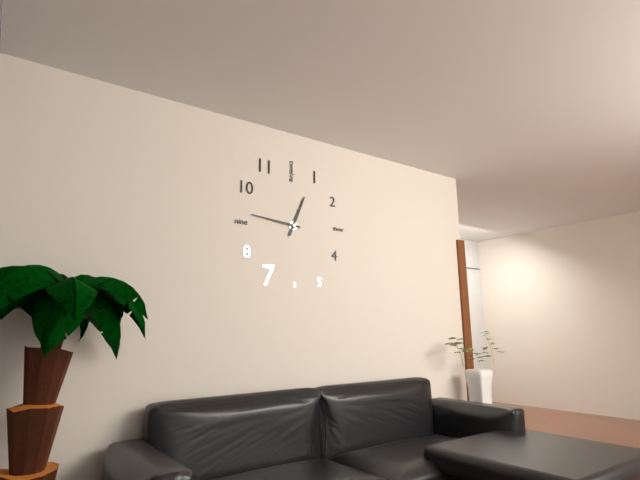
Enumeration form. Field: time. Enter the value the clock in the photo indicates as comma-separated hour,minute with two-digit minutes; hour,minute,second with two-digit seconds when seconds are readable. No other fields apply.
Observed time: 12,46
